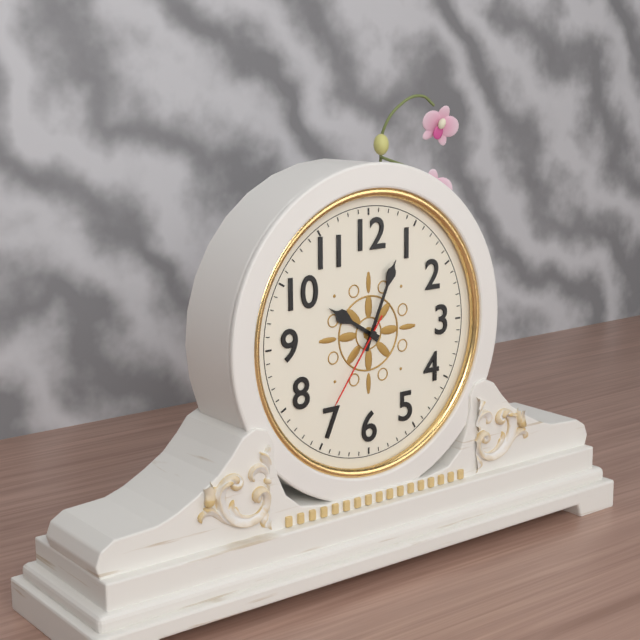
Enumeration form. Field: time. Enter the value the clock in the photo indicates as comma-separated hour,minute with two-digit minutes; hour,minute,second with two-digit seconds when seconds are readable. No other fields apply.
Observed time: 10,04,36
